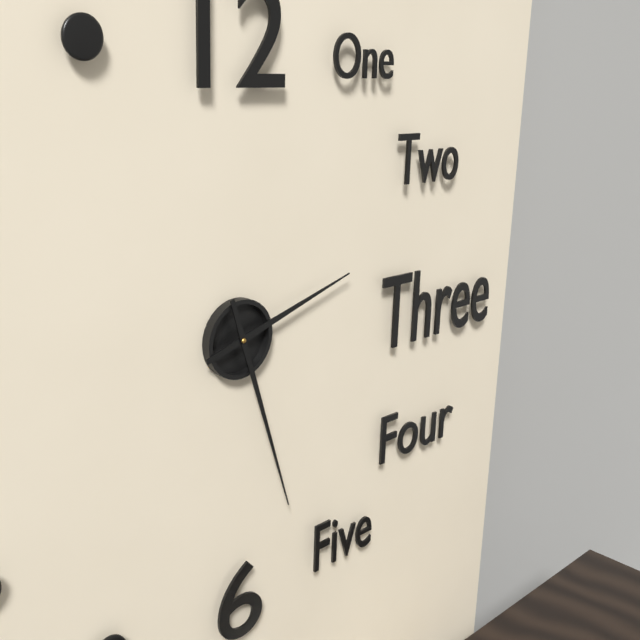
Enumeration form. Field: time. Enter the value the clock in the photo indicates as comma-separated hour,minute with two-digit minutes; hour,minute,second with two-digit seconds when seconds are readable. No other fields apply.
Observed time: 2,27
